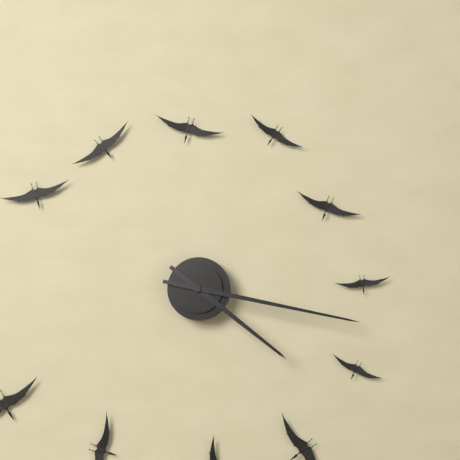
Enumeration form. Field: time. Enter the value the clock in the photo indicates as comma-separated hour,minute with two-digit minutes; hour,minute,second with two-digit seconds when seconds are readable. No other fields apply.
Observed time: 4,17
